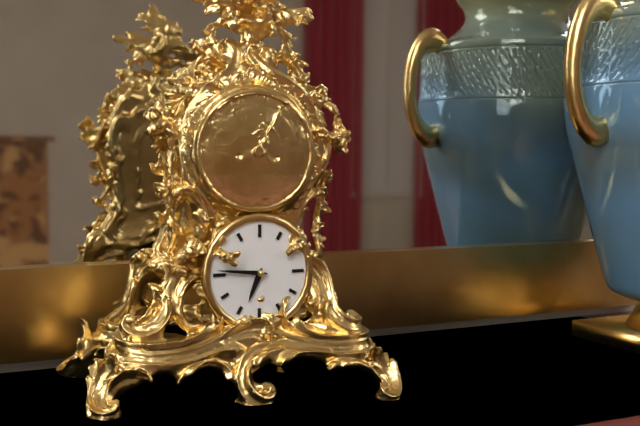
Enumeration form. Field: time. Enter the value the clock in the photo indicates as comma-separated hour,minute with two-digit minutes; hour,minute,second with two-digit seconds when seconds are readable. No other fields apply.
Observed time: 6,46
